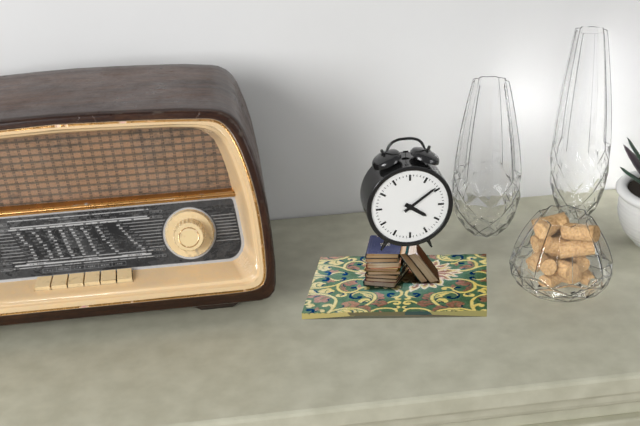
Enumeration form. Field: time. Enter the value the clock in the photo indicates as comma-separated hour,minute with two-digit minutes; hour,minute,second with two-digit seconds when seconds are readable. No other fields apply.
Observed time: 4,09
